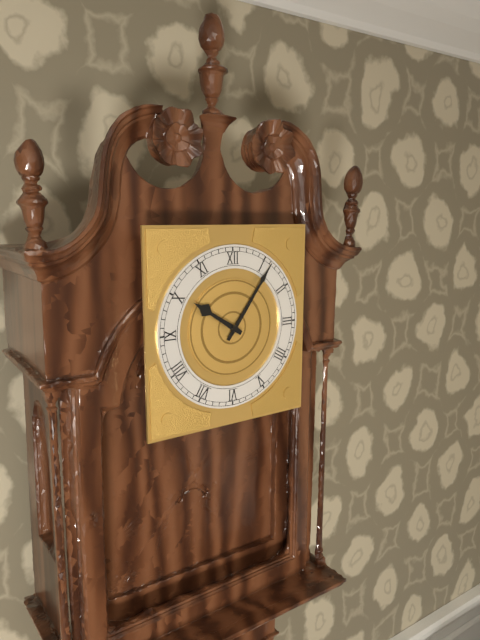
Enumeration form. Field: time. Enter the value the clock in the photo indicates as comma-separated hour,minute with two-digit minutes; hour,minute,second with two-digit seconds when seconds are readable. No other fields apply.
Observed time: 10,06
